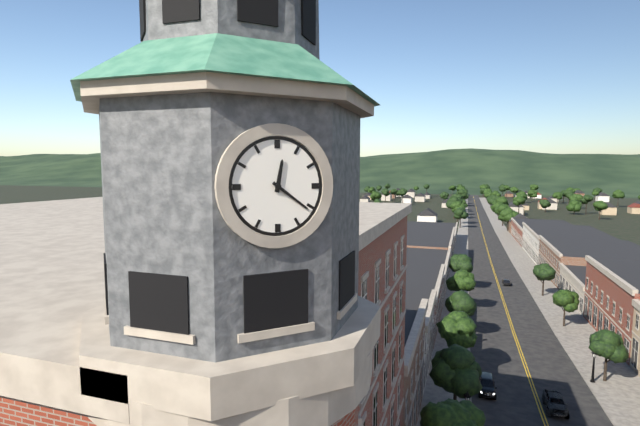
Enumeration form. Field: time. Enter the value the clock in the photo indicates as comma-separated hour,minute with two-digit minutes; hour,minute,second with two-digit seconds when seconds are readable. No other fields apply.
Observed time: 12,21
